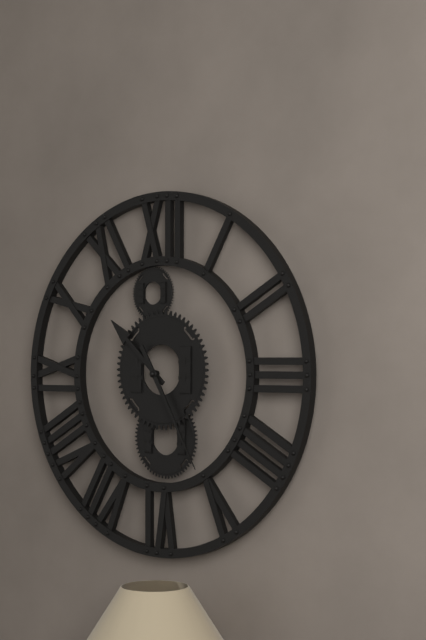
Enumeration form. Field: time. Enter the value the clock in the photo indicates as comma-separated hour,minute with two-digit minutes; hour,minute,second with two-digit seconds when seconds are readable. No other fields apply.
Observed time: 10,25
